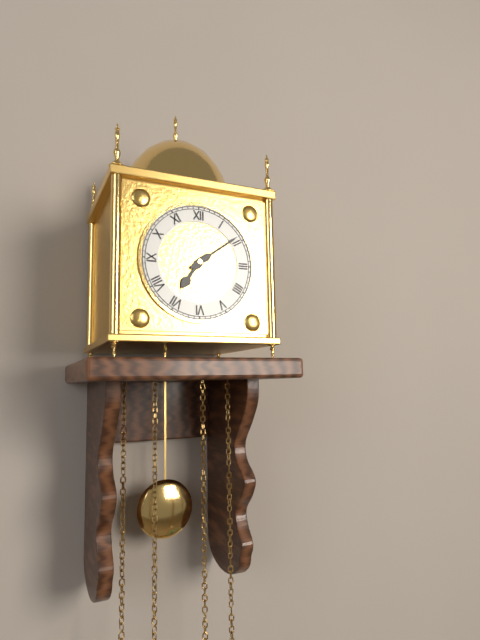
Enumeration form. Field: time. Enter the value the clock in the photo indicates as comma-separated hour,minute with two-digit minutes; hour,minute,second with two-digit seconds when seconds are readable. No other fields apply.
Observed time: 7,09
